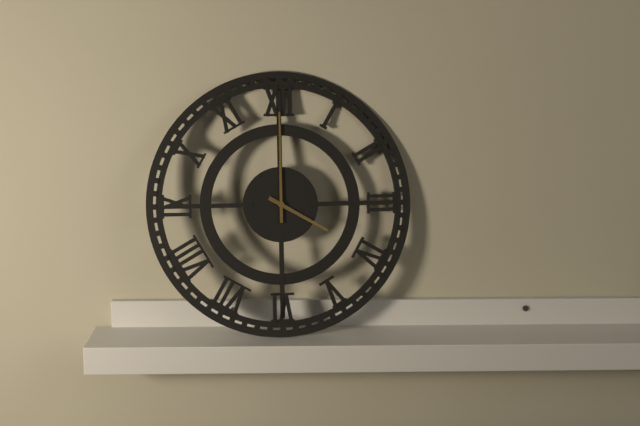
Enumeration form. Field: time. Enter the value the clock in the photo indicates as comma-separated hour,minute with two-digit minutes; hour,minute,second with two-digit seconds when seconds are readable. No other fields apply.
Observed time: 4,00
